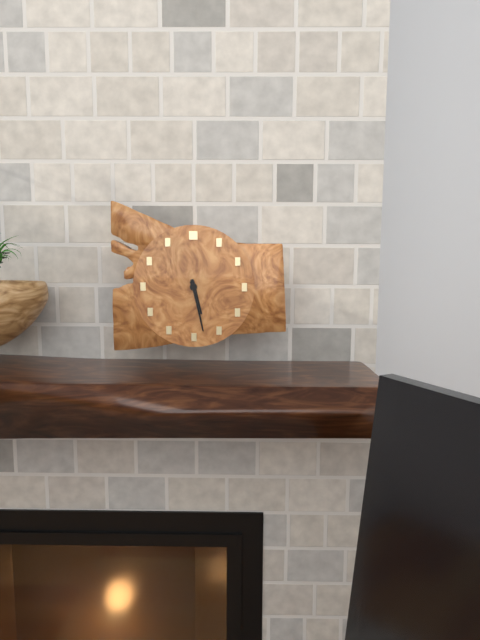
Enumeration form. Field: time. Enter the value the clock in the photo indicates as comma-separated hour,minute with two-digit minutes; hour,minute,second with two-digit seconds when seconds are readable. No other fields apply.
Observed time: 5,28
